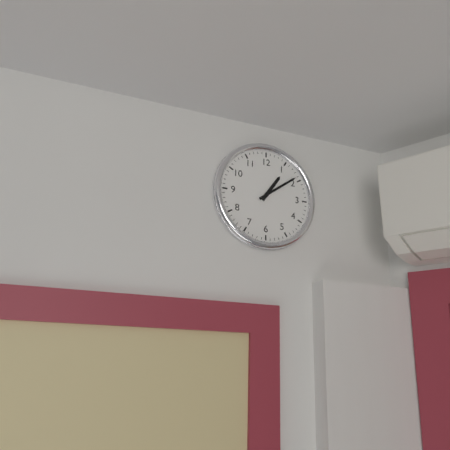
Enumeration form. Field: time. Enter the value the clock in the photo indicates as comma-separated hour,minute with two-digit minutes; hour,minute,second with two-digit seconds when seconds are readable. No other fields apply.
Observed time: 1,09
